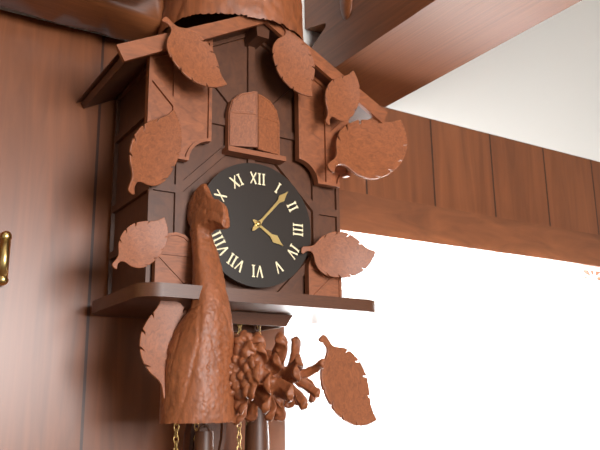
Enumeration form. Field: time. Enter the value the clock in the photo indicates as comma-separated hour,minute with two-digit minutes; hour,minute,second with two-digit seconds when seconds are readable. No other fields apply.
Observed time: 4,07
